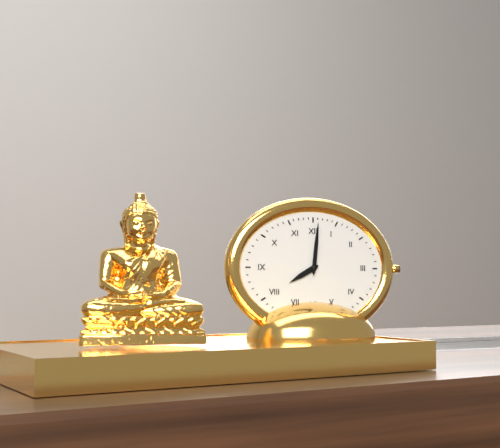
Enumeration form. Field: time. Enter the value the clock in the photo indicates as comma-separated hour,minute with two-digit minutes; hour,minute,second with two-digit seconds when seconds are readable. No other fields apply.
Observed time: 8,01
